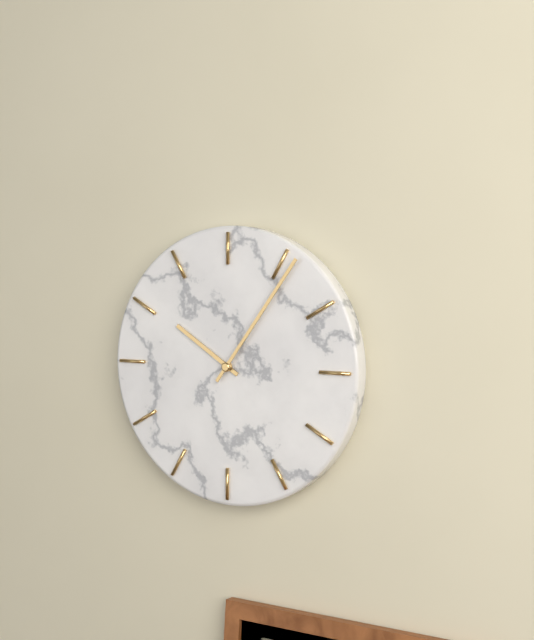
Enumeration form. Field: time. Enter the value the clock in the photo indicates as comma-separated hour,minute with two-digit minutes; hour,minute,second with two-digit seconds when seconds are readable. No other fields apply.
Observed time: 10,06
